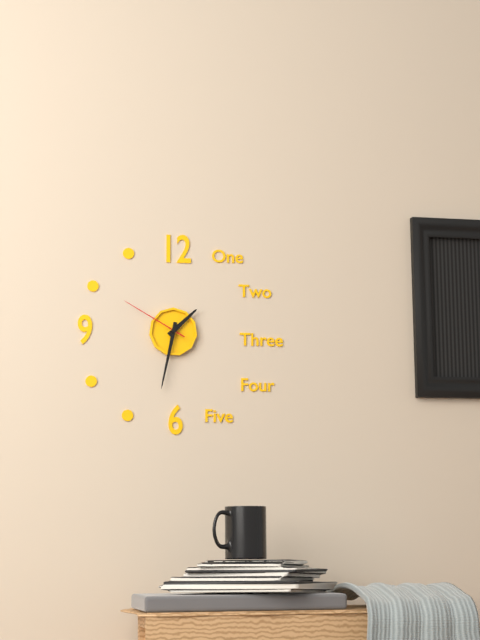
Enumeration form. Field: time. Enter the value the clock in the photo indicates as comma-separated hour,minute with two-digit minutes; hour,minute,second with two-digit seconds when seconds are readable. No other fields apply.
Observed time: 1,32,50
